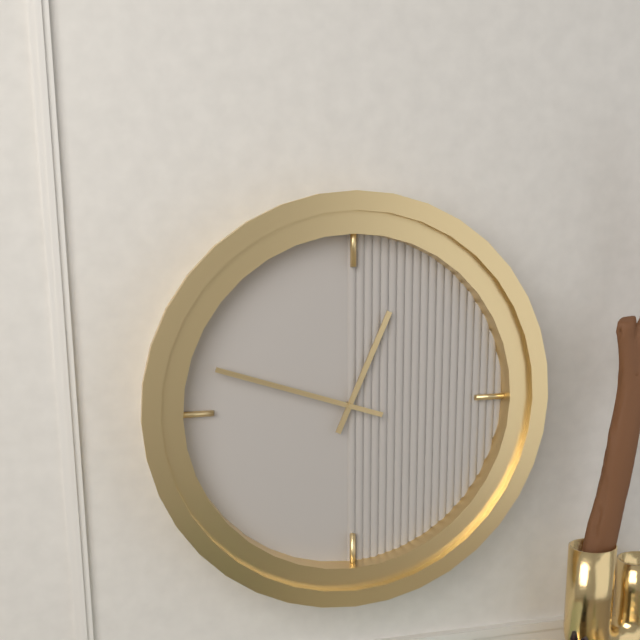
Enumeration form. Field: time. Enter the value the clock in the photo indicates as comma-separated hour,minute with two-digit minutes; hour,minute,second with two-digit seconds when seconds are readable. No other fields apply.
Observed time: 12,48
